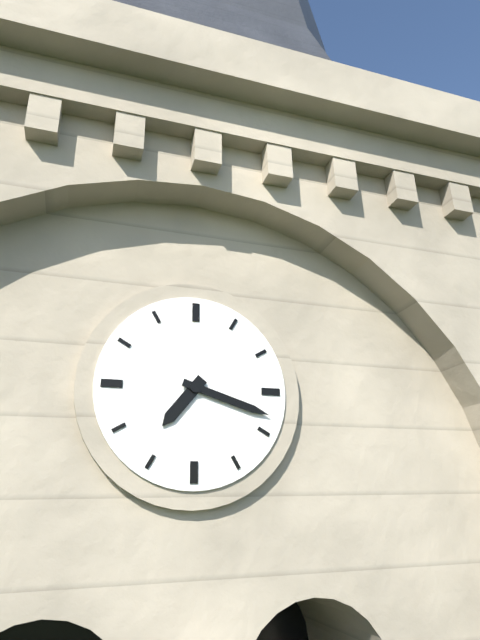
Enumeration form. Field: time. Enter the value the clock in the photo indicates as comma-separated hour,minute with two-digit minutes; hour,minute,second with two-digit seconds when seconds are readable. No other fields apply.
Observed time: 7,18
